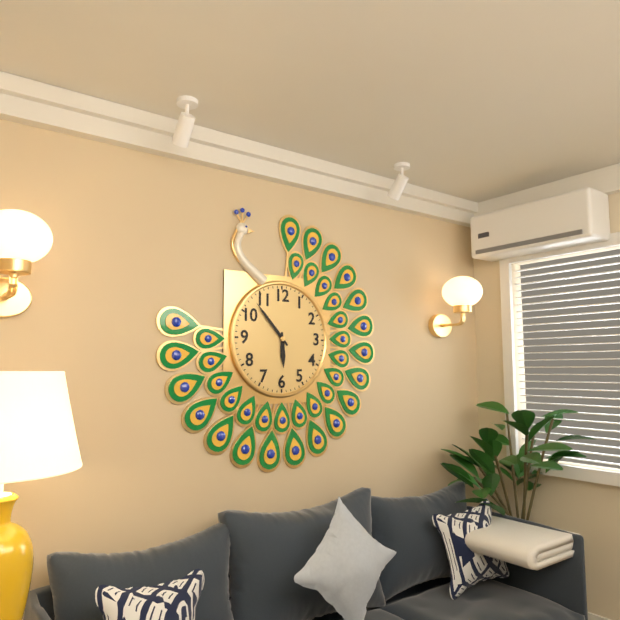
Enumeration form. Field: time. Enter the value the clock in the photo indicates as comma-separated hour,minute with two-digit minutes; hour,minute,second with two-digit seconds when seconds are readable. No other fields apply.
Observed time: 5,53
